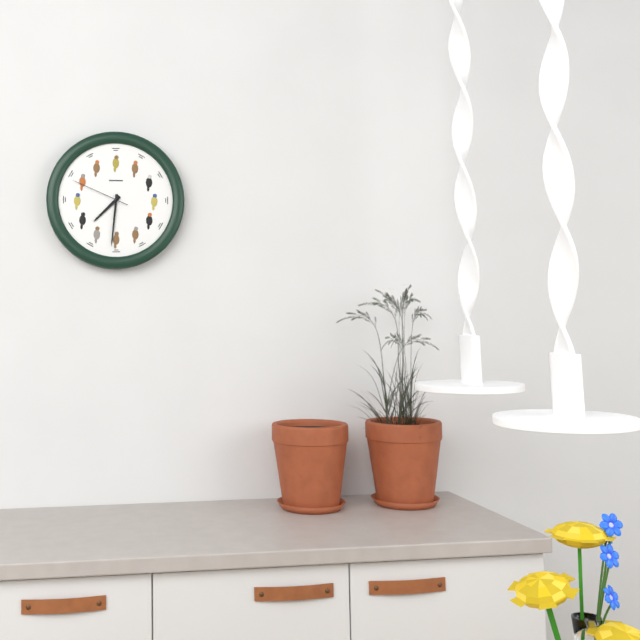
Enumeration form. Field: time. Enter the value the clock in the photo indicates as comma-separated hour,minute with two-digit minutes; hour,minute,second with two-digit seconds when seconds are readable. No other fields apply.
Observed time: 7,31,49
